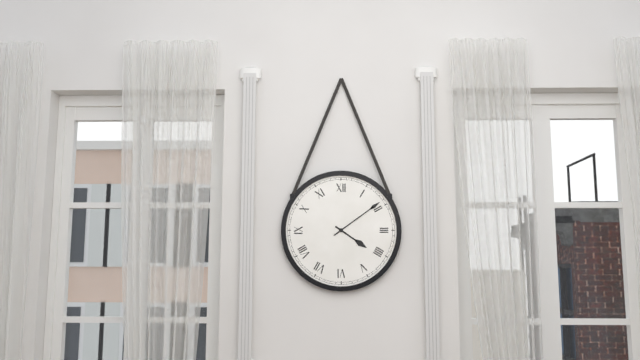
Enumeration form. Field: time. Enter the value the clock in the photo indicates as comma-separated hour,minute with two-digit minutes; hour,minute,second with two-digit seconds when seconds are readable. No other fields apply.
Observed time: 4,09
